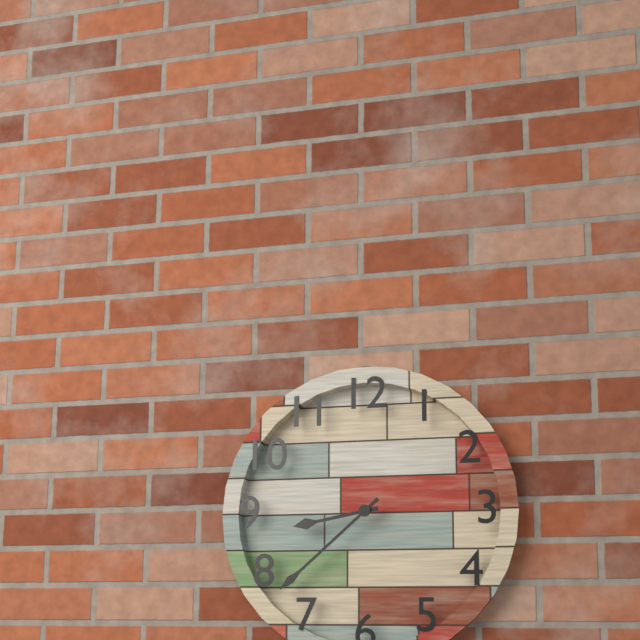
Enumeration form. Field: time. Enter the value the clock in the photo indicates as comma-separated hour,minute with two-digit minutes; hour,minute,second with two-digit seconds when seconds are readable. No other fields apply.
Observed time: 8,38
